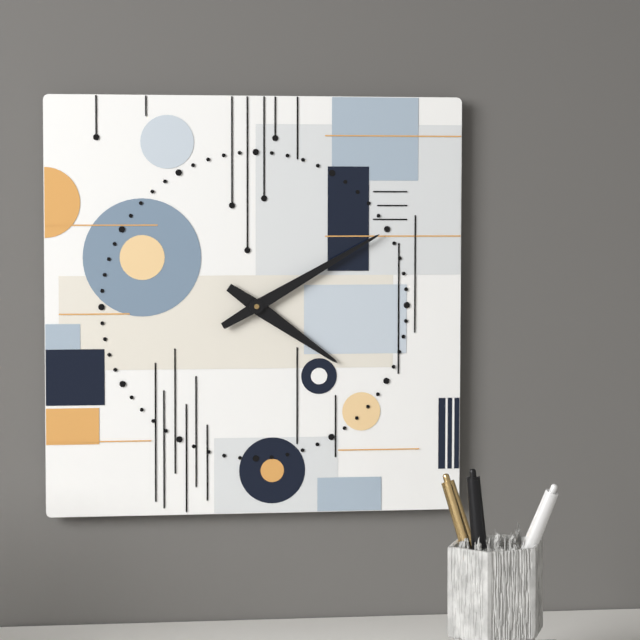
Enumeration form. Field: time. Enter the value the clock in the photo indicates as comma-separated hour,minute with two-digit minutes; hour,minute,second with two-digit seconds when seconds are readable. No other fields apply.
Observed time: 4,10
